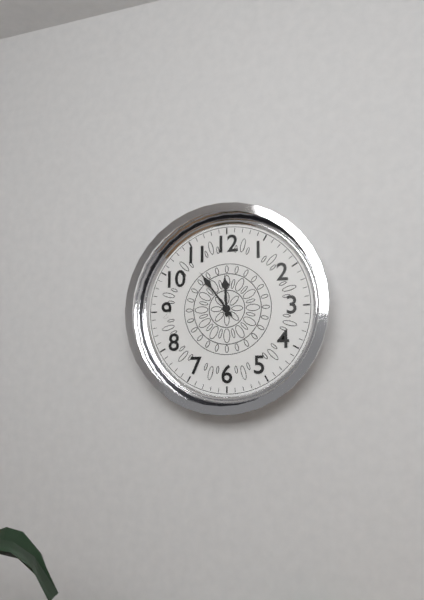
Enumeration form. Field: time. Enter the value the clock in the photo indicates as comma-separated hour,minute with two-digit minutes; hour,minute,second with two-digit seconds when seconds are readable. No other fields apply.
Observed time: 11,54
